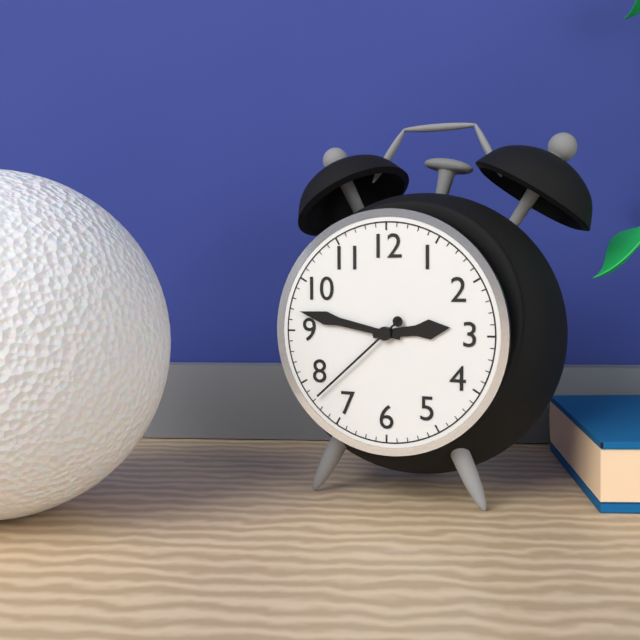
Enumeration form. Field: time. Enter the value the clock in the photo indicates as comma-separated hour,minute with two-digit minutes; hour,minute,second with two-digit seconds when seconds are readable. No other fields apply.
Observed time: 2,47,38
